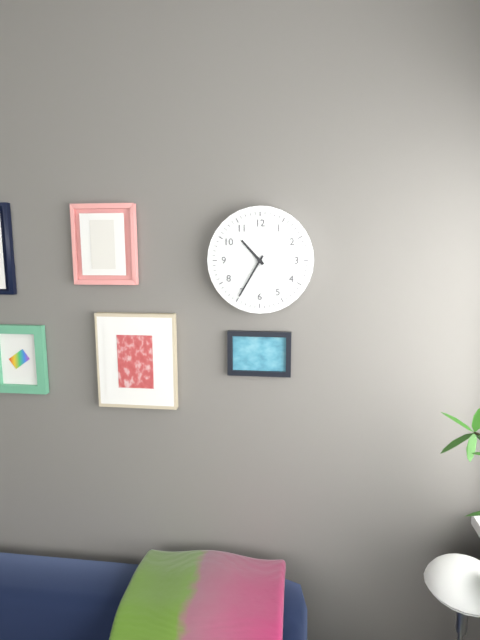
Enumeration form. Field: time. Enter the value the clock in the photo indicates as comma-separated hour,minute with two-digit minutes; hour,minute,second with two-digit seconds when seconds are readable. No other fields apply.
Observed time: 10,35
